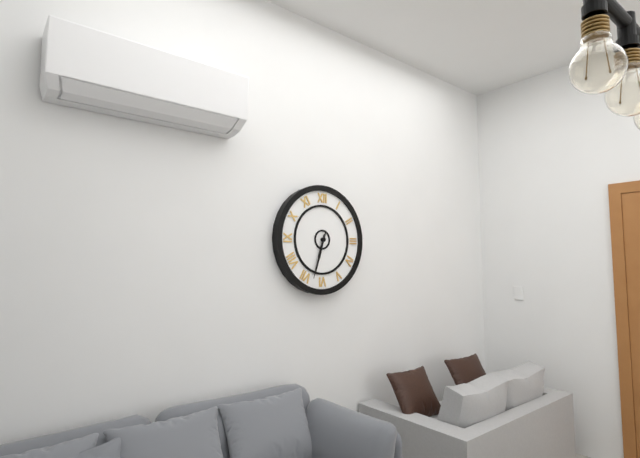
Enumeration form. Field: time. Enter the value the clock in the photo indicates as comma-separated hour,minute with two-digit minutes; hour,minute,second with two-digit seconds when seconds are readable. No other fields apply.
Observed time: 6,33
